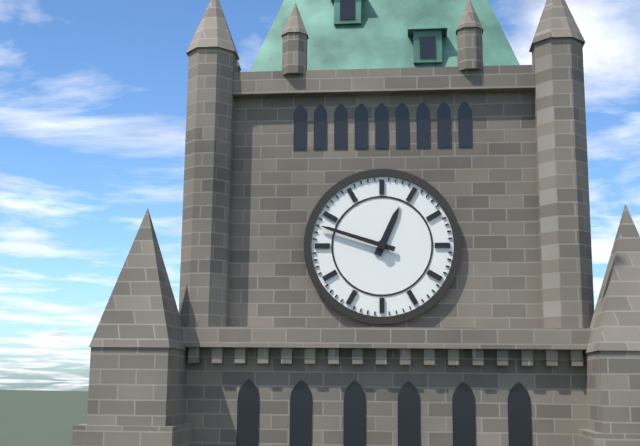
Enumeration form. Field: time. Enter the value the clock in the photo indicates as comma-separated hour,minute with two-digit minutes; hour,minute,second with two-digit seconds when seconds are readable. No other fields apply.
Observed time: 12,48
